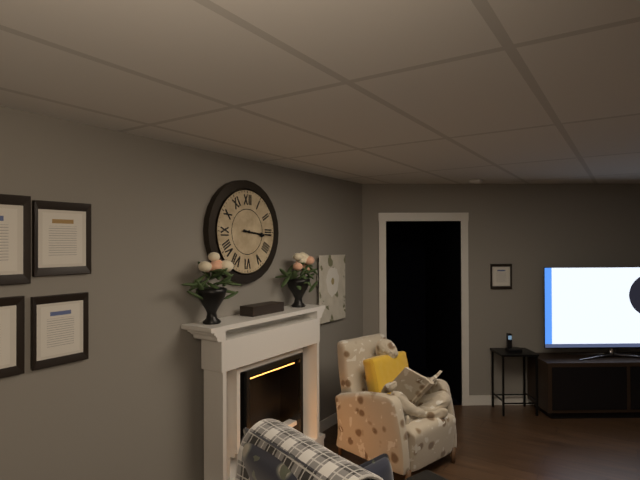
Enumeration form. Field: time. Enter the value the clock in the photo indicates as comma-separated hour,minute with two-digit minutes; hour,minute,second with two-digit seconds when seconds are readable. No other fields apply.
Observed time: 3,16
